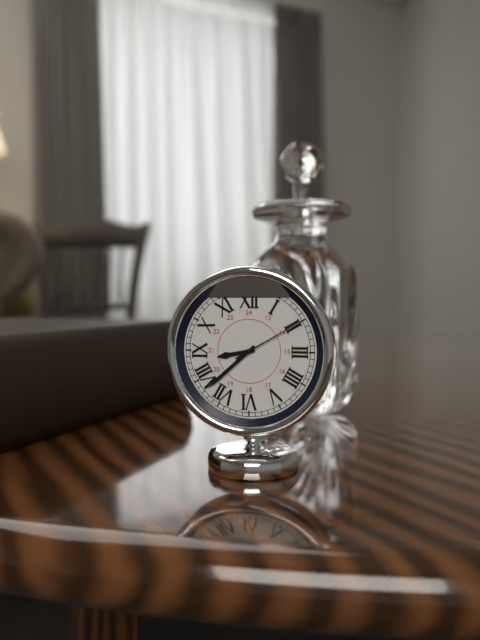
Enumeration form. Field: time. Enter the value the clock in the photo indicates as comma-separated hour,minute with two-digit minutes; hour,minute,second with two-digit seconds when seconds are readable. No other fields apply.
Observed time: 8,38,10
